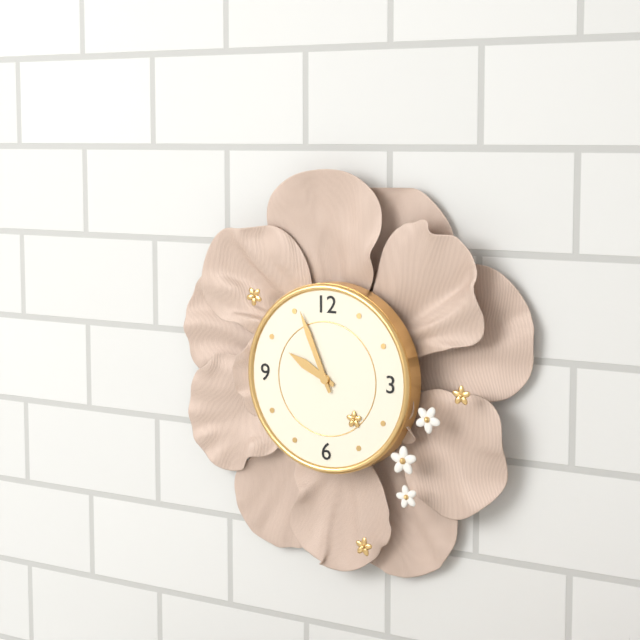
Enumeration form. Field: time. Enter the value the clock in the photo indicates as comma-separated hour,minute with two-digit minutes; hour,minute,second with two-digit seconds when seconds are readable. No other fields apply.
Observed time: 9,56
